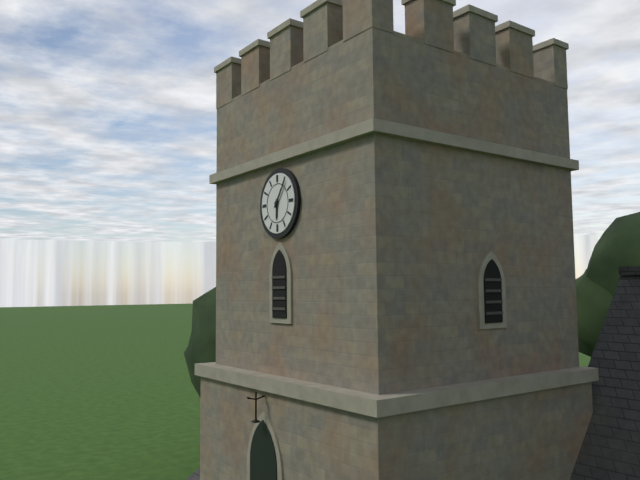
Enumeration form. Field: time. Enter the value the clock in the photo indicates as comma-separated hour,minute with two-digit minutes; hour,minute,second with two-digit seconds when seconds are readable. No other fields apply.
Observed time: 6,06
